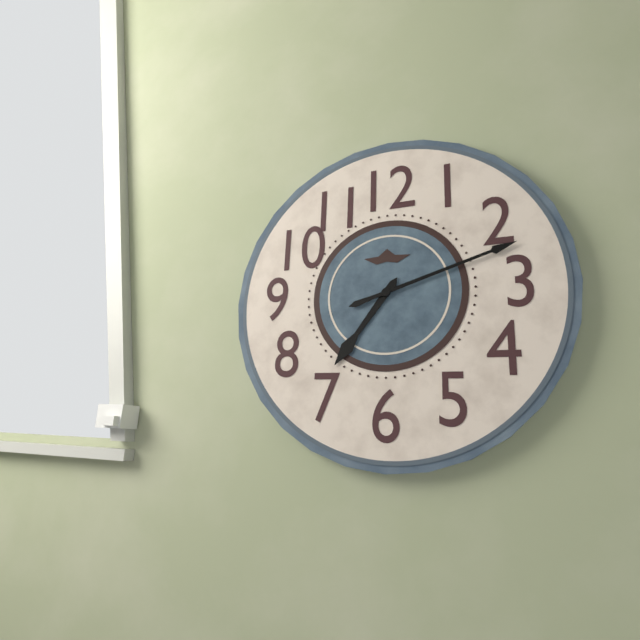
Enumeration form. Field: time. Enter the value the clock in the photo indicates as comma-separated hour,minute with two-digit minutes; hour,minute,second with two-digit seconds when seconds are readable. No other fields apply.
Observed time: 7,12
